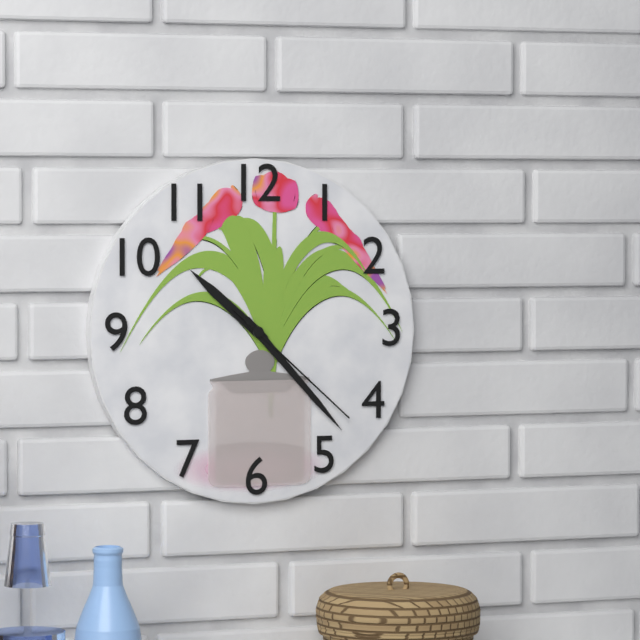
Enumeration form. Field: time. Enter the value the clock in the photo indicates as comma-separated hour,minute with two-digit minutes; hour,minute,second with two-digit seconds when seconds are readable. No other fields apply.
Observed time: 10,23,22
